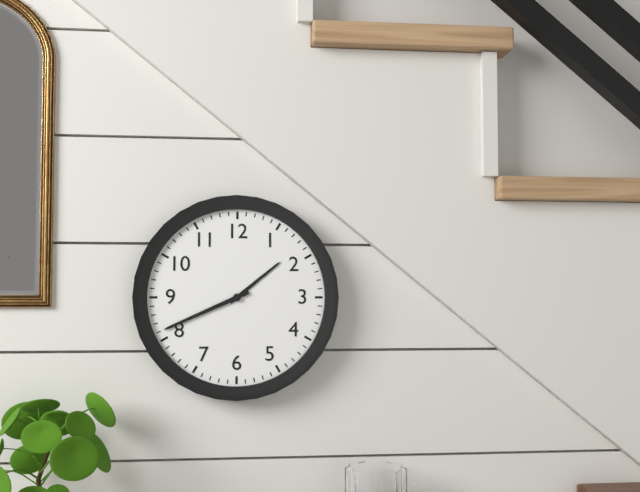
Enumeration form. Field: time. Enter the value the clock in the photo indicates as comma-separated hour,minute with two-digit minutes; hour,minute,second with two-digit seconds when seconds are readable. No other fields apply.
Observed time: 1,41
